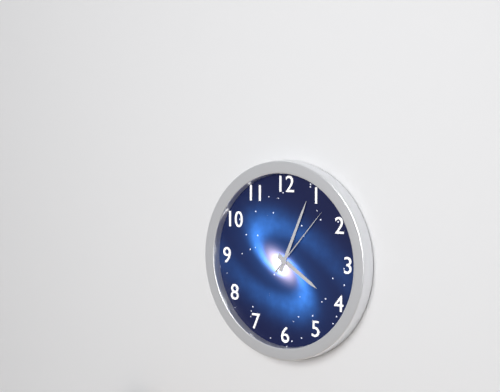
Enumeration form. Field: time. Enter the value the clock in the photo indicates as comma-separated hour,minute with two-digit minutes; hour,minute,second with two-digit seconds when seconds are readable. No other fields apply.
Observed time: 4,04,07
